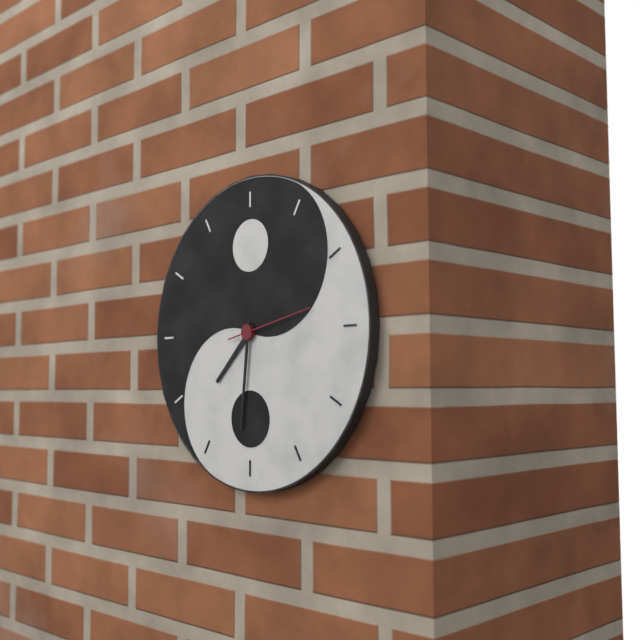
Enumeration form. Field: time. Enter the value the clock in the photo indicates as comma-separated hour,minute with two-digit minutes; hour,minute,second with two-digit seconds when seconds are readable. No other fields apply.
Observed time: 7,31,13
